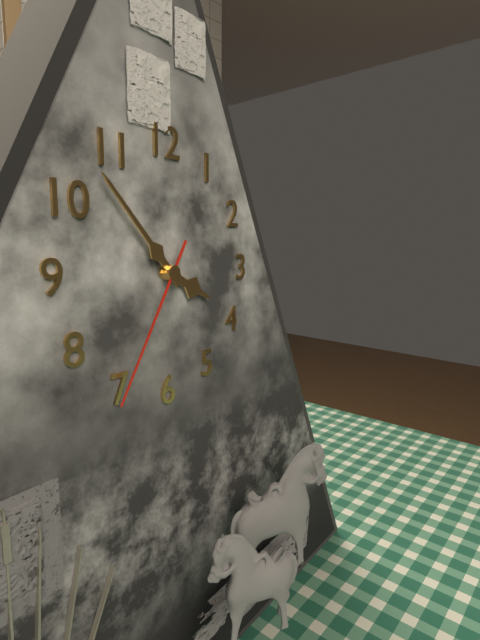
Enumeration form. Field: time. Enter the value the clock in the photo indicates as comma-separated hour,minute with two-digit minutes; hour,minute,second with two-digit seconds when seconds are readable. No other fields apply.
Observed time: 3,53,35
